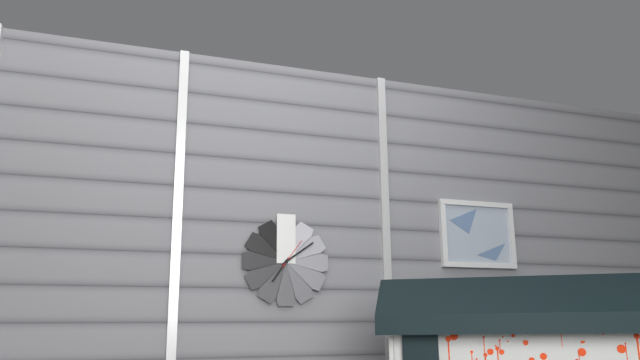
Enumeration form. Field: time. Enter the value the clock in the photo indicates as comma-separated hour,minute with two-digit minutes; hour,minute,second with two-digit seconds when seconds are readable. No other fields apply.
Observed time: 7,09
